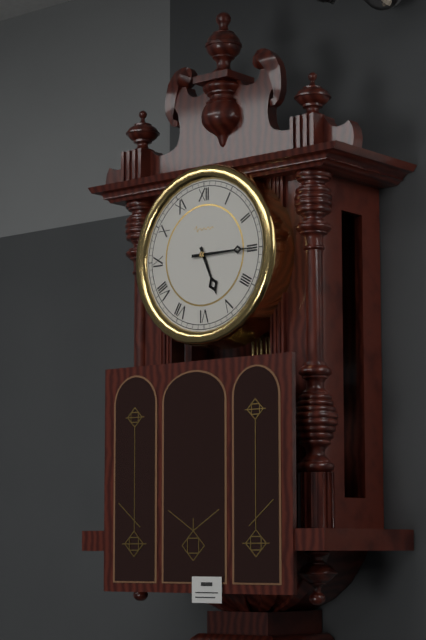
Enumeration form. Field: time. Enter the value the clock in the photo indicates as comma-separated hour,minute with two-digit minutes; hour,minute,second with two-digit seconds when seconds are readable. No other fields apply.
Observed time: 5,15
